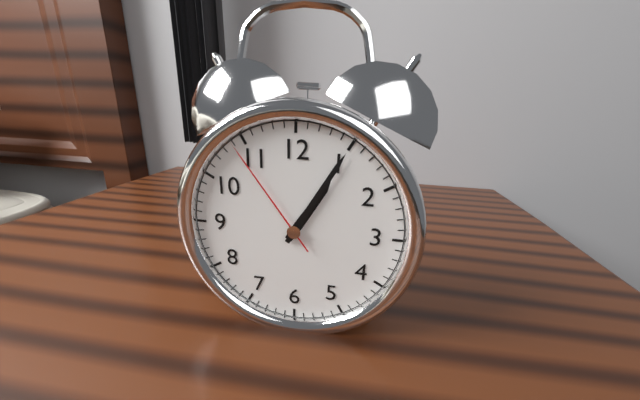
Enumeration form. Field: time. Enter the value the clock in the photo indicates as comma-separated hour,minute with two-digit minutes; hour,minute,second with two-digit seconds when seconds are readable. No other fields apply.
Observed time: 1,05,54
